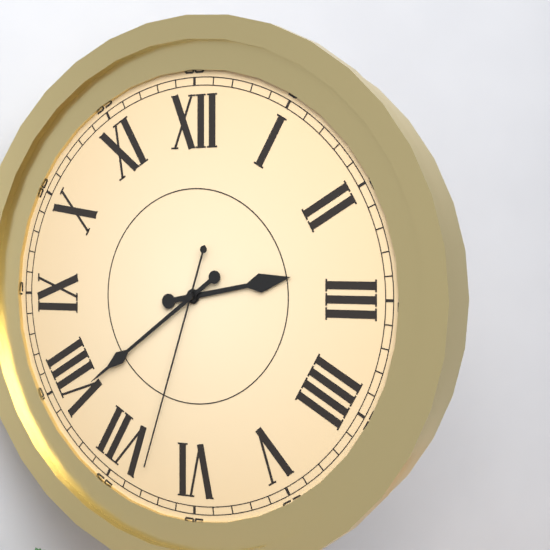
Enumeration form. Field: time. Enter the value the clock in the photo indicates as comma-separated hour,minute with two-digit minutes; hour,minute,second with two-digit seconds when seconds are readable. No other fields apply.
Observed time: 2,39,33
